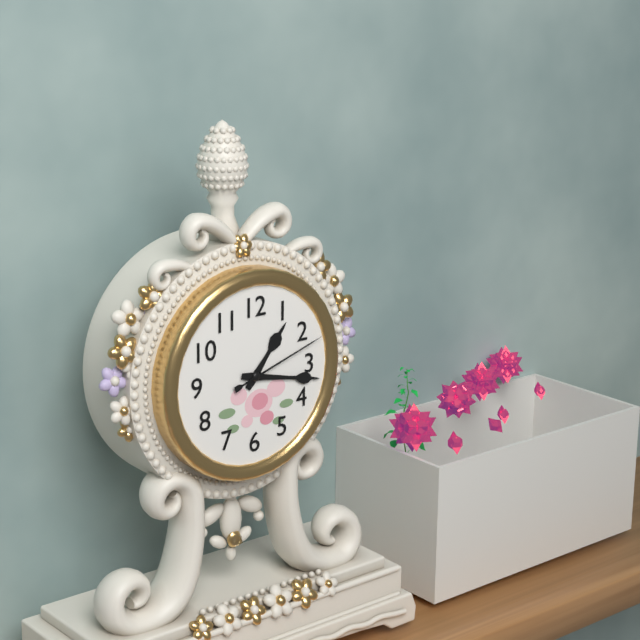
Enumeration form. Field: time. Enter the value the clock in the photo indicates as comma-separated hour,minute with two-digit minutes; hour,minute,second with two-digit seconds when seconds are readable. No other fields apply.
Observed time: 1,17,12
